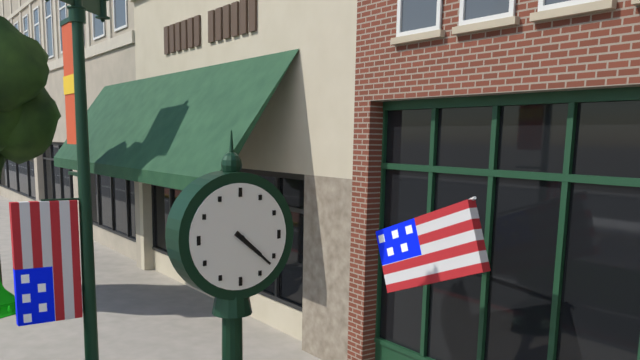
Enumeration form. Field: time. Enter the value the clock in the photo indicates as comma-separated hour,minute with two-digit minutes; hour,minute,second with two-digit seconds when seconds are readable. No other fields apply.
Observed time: 4,22
